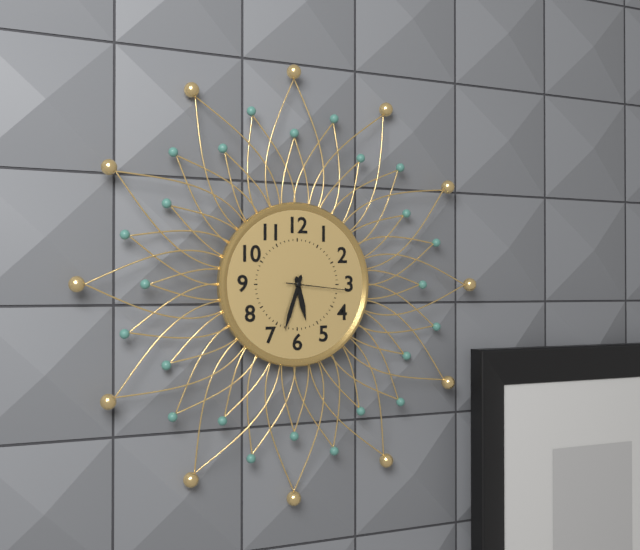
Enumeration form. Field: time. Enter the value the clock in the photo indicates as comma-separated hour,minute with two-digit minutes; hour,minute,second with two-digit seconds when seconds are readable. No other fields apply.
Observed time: 5,33,16
